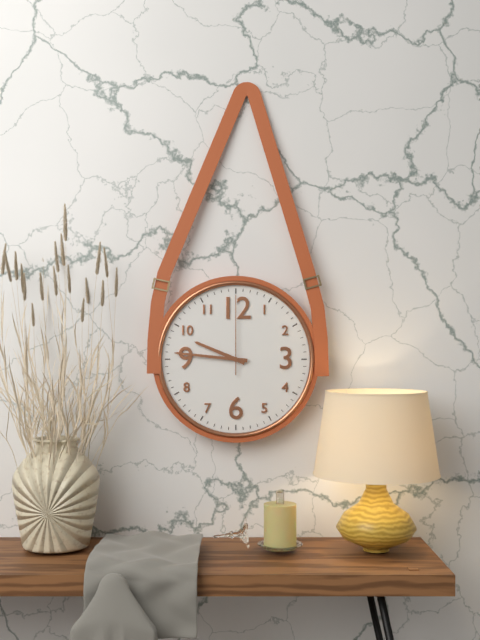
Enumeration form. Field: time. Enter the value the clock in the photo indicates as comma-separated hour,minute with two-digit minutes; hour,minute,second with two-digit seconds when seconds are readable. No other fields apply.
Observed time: 9,46,00
